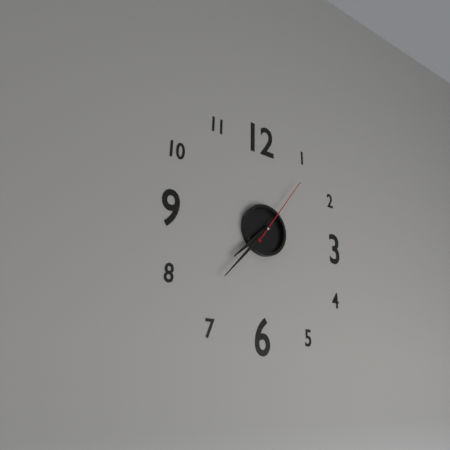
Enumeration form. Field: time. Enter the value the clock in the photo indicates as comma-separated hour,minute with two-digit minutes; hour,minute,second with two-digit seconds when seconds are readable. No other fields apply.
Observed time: 7,37,06
